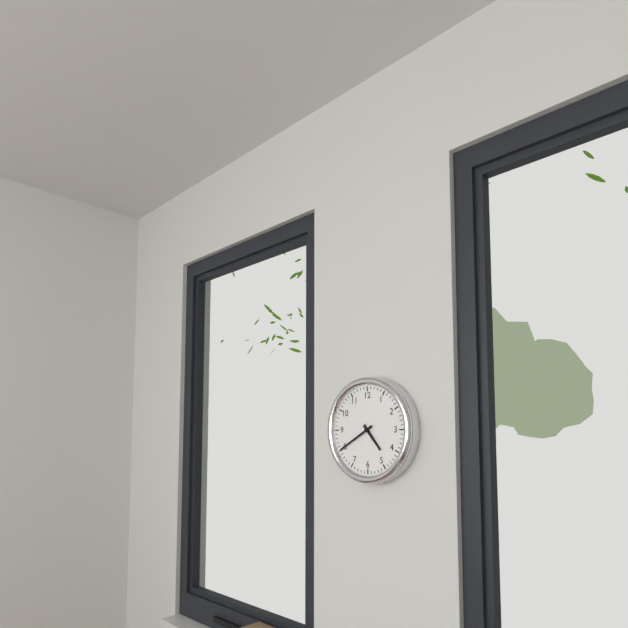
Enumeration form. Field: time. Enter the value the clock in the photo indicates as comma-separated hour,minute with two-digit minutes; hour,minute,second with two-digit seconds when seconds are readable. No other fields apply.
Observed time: 4,40
